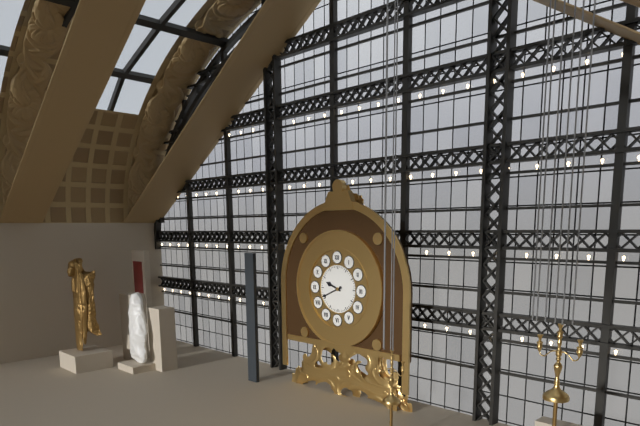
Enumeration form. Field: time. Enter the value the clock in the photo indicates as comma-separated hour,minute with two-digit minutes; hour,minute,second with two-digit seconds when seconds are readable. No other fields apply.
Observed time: 9,41
